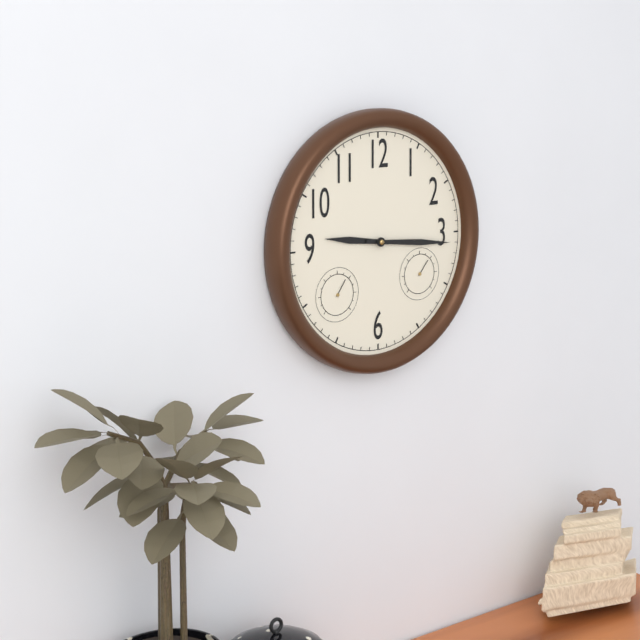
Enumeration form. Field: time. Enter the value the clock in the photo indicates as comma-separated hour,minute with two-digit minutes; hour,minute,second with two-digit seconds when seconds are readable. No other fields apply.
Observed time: 9,16
